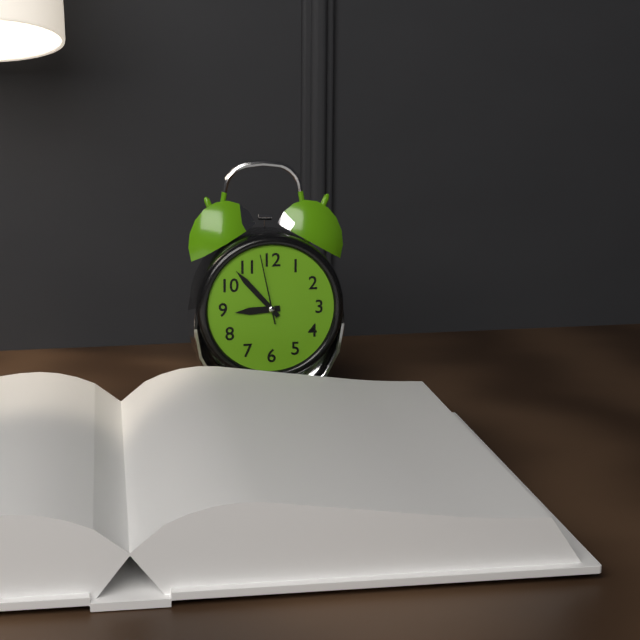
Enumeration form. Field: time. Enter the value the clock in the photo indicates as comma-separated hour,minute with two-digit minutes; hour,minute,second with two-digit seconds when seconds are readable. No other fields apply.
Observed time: 8,53,58
